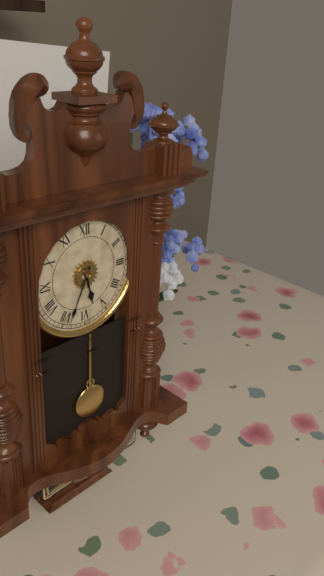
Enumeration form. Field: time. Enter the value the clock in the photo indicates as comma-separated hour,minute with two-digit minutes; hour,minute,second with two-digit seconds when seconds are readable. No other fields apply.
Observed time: 5,34
